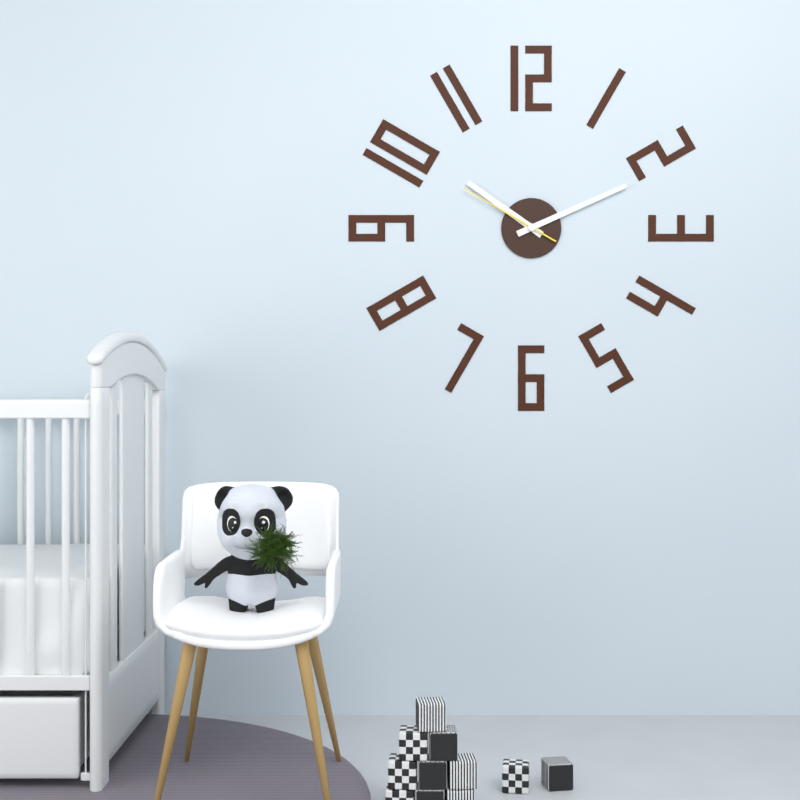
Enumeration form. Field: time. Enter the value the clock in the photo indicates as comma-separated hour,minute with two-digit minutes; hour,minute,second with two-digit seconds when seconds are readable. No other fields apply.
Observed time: 10,11,50
